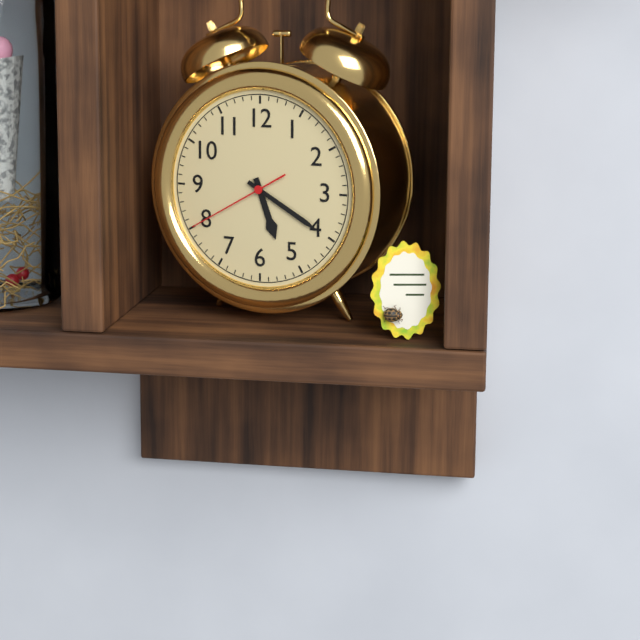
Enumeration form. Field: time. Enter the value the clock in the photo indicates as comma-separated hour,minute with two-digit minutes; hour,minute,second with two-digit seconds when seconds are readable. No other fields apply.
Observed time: 5,20,40
